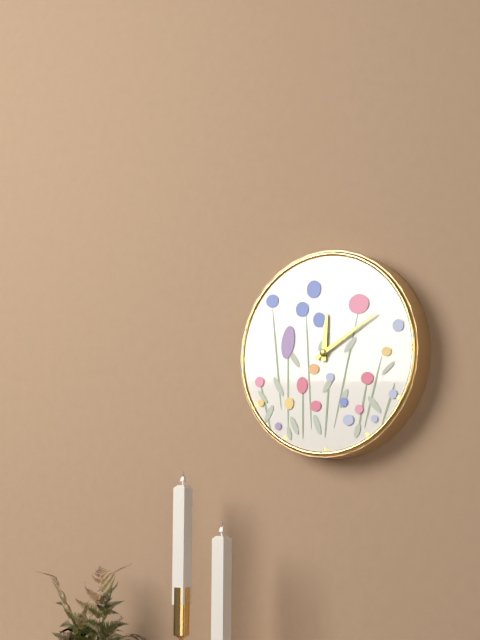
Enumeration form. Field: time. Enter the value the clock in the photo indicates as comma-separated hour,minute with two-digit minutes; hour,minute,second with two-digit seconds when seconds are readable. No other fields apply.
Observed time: 12,10
